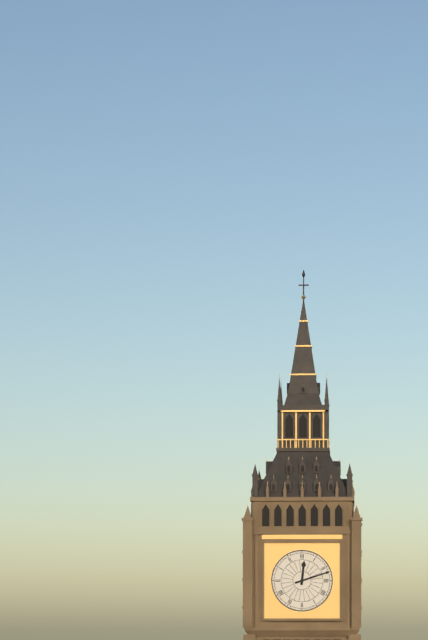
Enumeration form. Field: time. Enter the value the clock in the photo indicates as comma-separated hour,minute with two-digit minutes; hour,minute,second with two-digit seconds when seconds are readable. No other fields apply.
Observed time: 12,12
